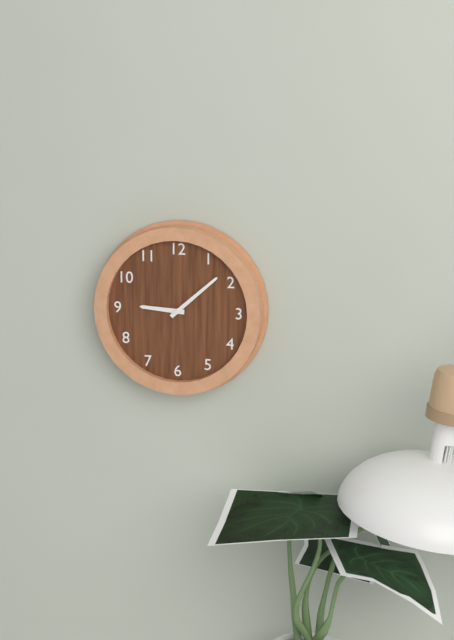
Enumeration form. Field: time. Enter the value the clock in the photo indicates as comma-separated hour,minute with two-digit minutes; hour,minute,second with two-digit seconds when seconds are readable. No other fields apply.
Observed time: 9,08
